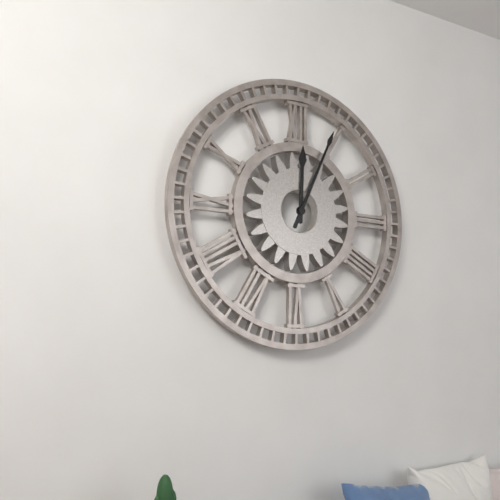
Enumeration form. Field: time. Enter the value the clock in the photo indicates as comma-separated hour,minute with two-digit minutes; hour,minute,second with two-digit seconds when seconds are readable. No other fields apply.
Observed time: 12,04
